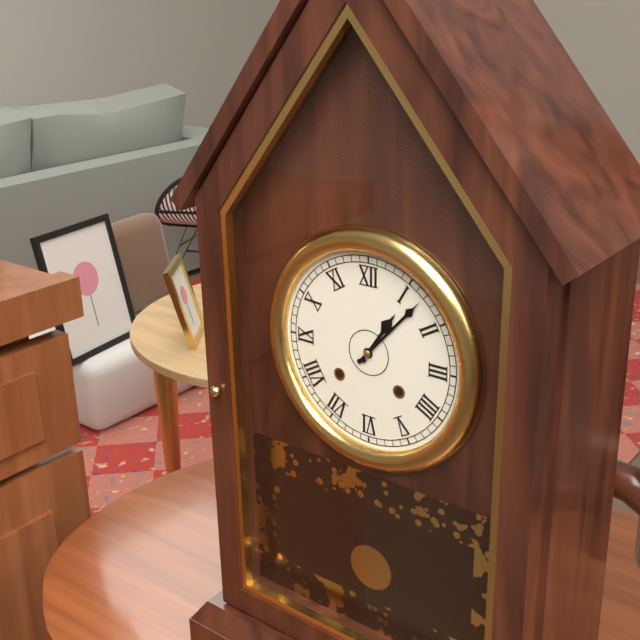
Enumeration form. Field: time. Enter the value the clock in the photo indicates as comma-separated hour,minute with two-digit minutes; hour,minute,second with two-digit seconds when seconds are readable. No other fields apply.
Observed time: 1,07
